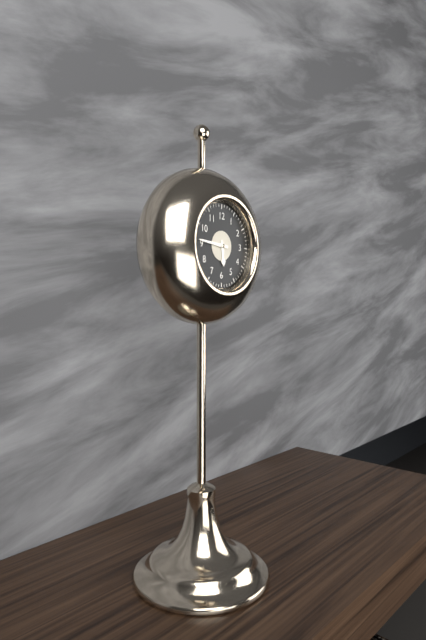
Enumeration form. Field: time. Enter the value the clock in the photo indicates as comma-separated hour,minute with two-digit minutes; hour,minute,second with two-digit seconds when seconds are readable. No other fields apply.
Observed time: 5,46
